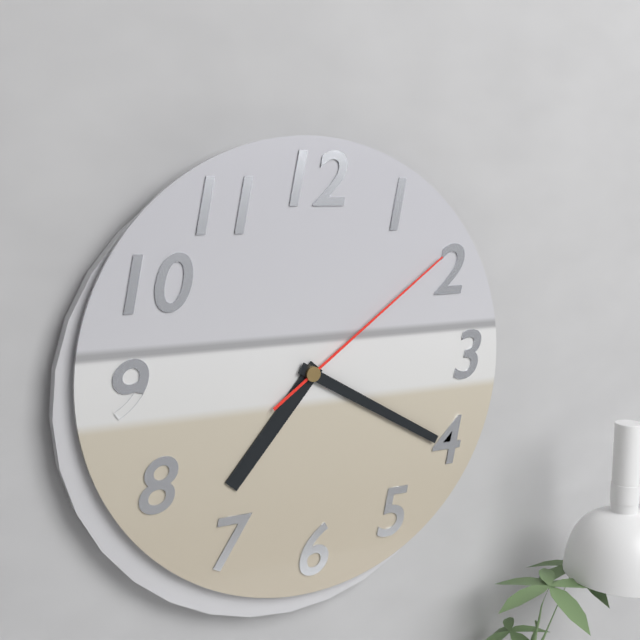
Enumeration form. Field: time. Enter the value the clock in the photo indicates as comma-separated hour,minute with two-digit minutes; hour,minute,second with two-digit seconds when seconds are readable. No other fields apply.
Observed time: 7,20,09
